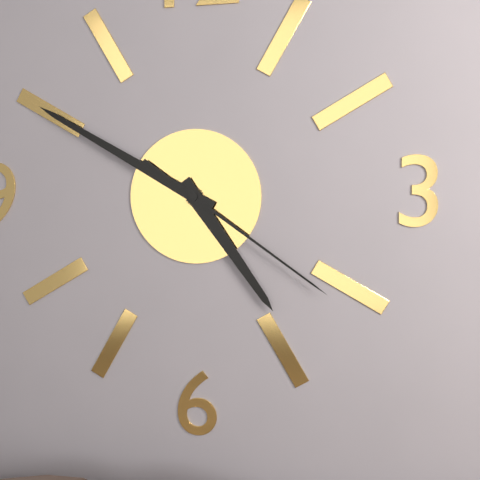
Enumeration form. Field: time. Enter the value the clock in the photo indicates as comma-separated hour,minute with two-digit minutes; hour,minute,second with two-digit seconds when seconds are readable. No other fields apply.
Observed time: 4,50,21
